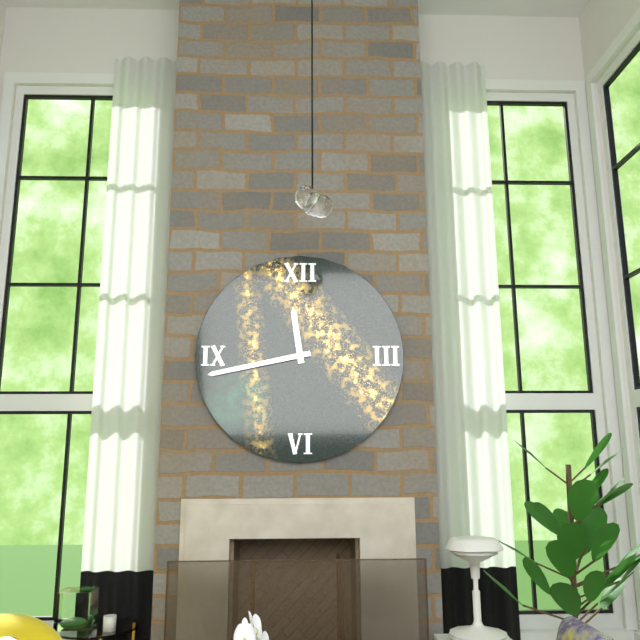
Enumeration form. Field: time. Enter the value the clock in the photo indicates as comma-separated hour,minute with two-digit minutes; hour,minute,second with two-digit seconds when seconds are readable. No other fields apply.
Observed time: 11,43
